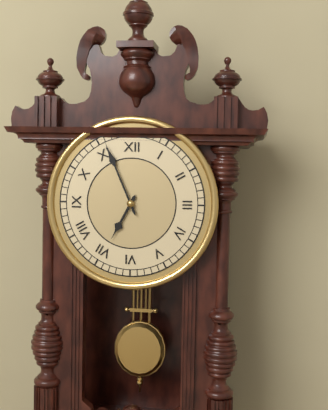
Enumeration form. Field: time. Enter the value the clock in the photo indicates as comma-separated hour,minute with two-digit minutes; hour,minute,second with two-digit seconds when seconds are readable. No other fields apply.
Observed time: 6,56
